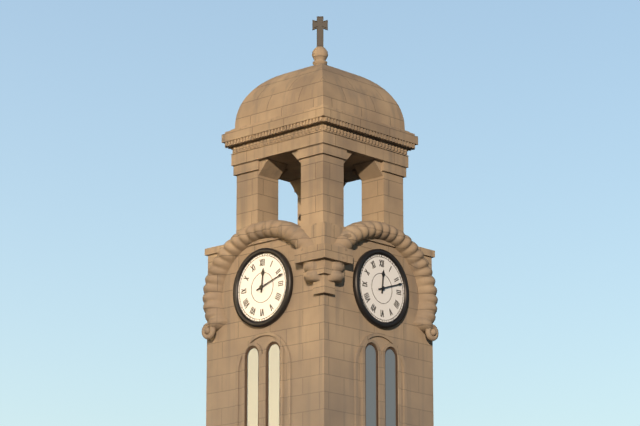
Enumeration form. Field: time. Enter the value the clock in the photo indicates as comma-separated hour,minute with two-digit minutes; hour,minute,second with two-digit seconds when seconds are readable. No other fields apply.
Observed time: 12,12
